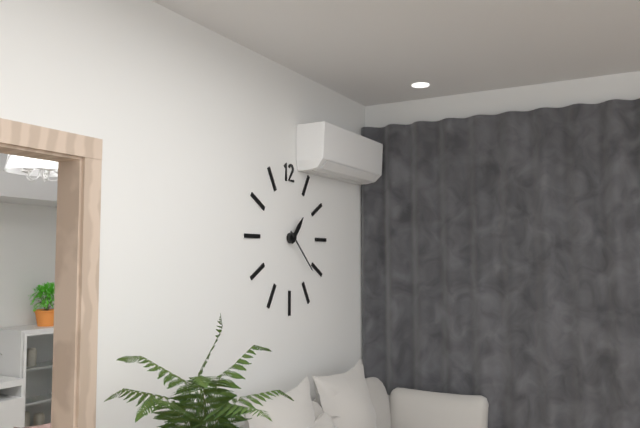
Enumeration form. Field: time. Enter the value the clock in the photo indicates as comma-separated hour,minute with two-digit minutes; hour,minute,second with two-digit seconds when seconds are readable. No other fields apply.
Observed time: 1,22
